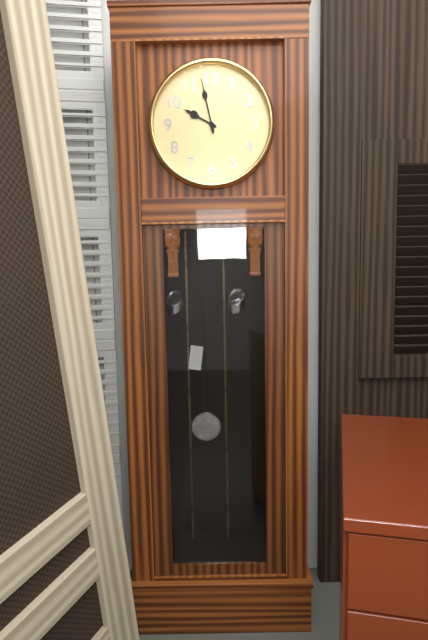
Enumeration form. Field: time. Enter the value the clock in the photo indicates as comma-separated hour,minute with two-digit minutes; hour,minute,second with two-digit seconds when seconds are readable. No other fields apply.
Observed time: 9,58
